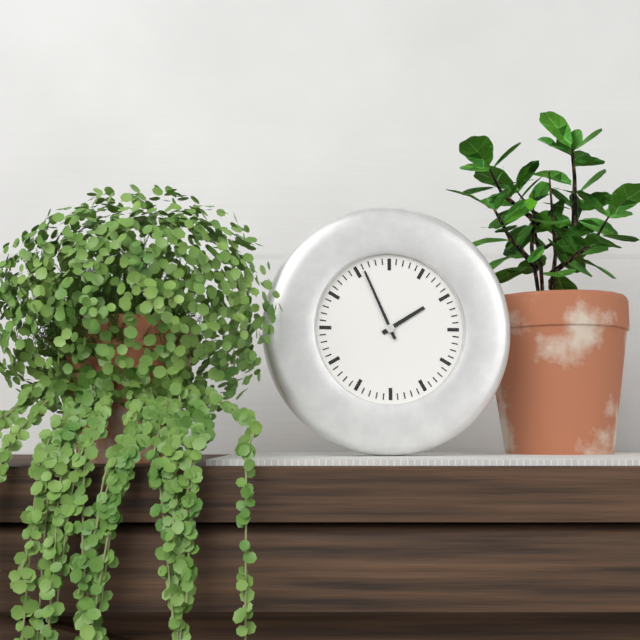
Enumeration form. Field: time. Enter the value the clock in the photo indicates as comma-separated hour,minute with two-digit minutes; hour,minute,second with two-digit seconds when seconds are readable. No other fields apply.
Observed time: 1,56
